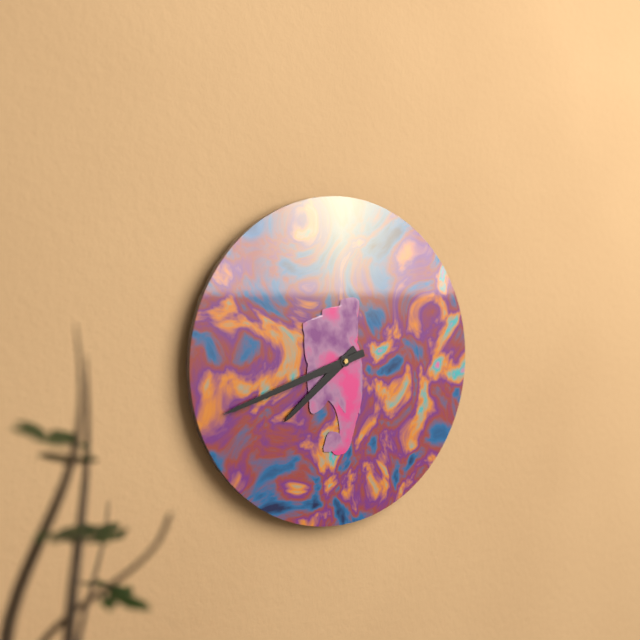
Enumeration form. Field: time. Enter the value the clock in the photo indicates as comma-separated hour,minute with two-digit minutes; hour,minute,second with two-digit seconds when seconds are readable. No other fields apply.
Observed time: 7,42
